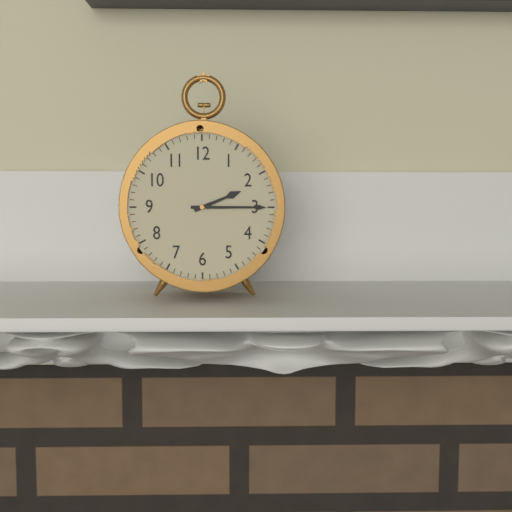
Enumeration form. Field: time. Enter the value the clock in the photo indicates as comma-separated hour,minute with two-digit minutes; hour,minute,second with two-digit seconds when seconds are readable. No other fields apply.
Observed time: 2,15
